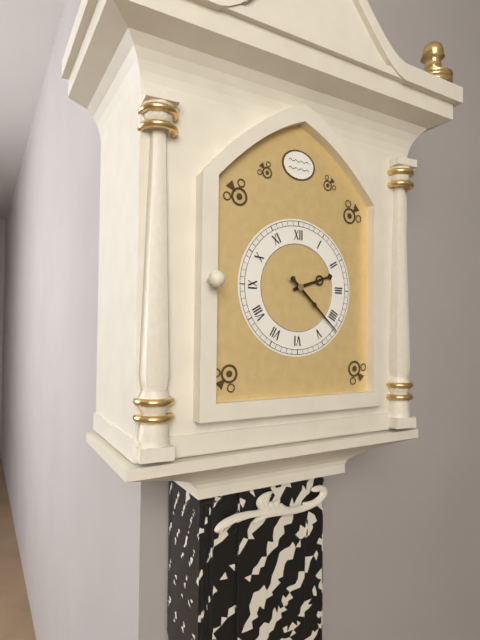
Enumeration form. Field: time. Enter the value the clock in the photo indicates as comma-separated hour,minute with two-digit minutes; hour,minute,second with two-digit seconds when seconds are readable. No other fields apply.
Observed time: 2,22
